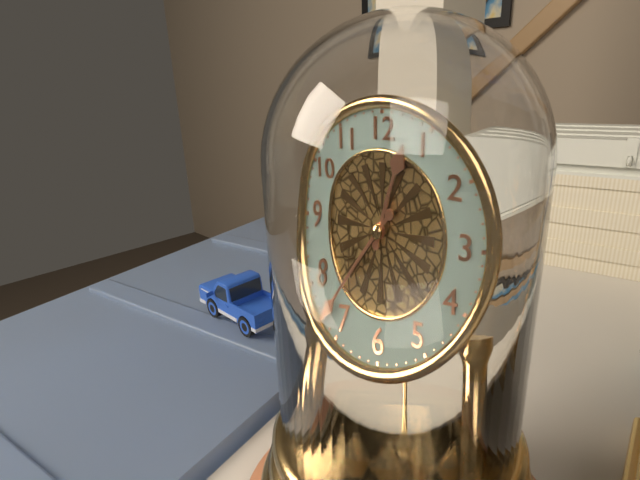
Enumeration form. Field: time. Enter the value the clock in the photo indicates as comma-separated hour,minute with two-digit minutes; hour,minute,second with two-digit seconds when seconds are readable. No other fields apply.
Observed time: 12,37
